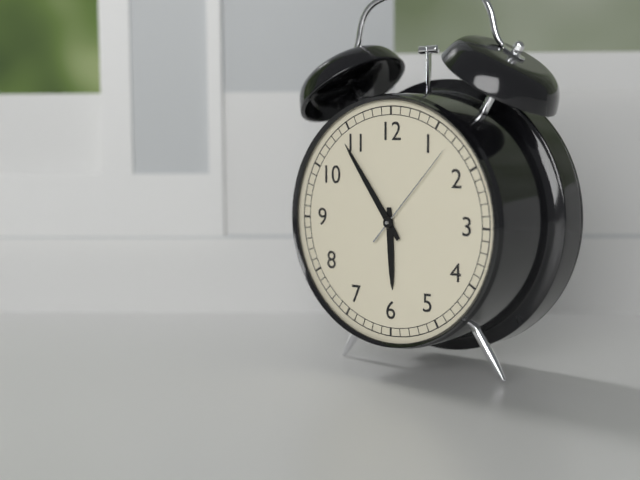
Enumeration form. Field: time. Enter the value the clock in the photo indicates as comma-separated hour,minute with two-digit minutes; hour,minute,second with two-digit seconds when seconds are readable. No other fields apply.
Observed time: 5,54,07
